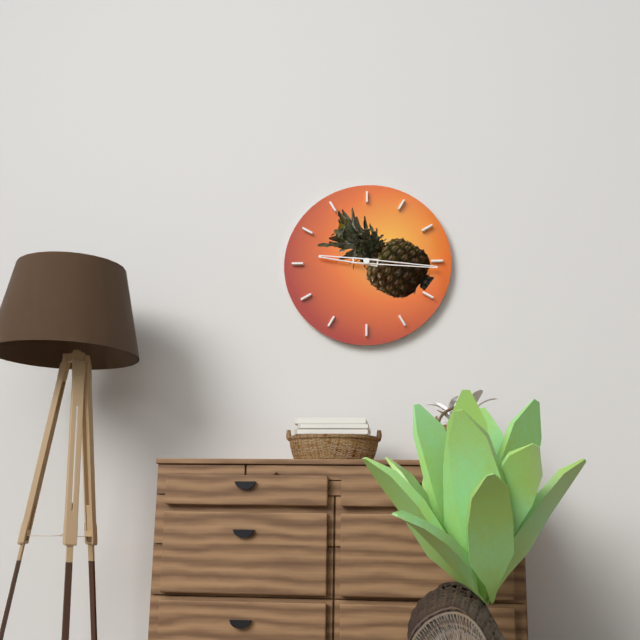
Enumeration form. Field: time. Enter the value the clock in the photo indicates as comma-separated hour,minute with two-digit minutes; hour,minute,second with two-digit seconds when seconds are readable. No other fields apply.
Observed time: 9,16
